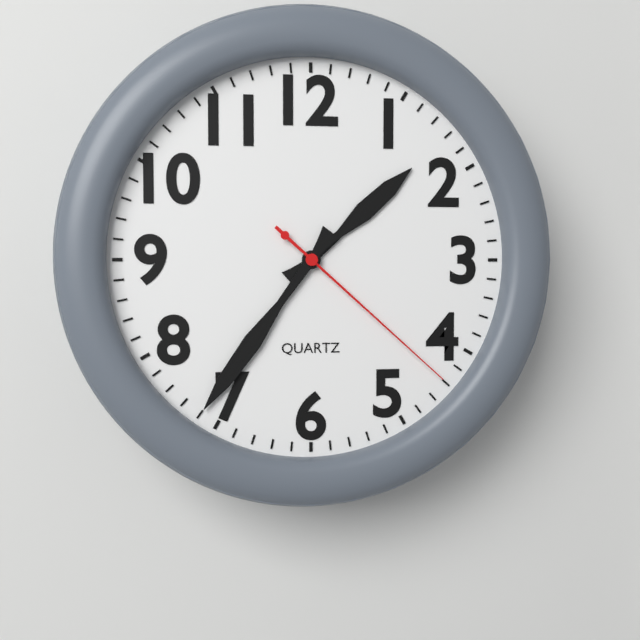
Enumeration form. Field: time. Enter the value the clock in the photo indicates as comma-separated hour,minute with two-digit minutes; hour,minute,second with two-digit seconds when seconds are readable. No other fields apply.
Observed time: 1,36,22
